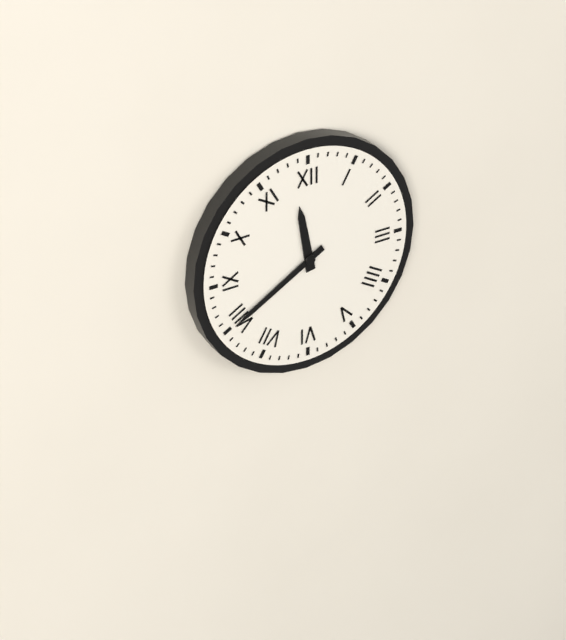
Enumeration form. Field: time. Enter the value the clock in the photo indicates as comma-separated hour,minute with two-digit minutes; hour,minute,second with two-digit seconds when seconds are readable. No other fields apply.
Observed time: 11,40
